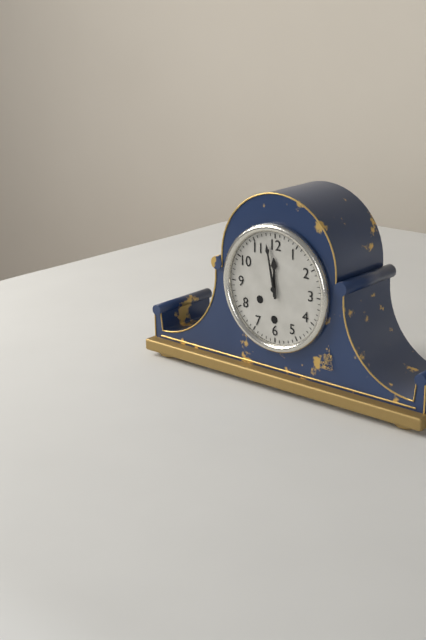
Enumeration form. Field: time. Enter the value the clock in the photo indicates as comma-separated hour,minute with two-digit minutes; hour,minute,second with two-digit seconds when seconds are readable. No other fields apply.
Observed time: 11,58
